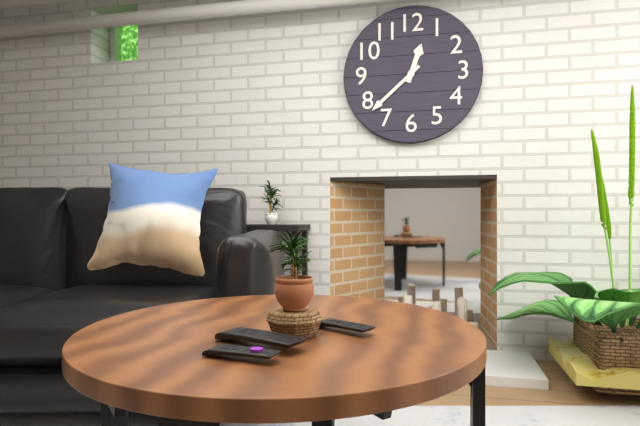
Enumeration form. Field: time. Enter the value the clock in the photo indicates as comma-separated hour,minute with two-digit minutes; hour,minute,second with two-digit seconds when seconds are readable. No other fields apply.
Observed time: 12,38
